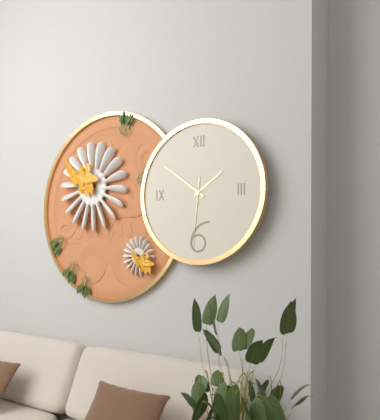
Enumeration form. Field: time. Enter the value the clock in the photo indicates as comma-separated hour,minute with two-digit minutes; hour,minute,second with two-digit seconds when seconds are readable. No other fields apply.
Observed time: 1,51,31
